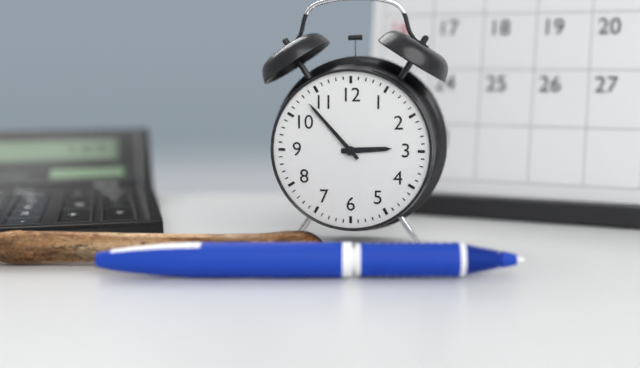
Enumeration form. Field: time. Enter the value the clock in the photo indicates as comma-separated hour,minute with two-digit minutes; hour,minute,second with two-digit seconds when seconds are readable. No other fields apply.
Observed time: 2,53
